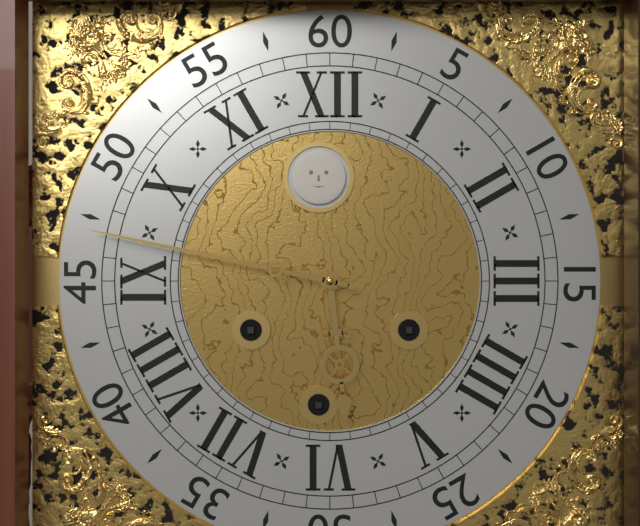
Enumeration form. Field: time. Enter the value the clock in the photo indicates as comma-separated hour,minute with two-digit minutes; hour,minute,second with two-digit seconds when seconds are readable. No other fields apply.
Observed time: 5,47
